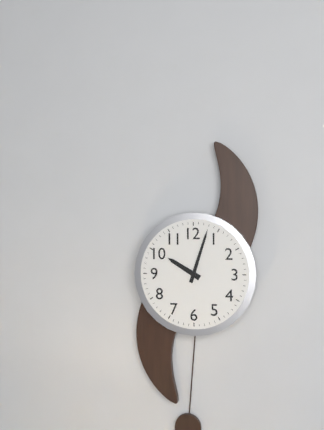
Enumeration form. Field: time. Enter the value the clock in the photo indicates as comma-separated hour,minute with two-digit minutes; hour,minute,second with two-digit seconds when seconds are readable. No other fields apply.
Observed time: 10,03
